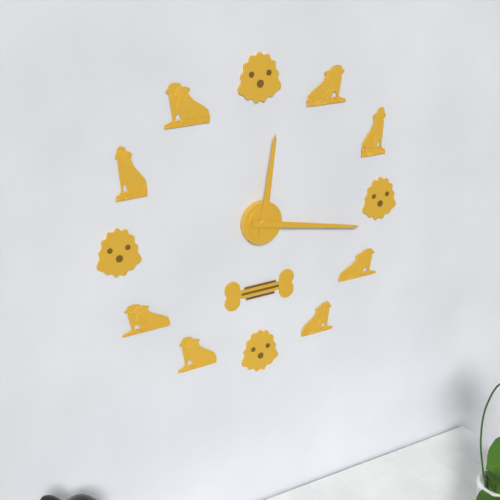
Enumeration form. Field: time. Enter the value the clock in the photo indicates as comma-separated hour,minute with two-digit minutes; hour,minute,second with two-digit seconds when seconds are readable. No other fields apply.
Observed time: 12,17
